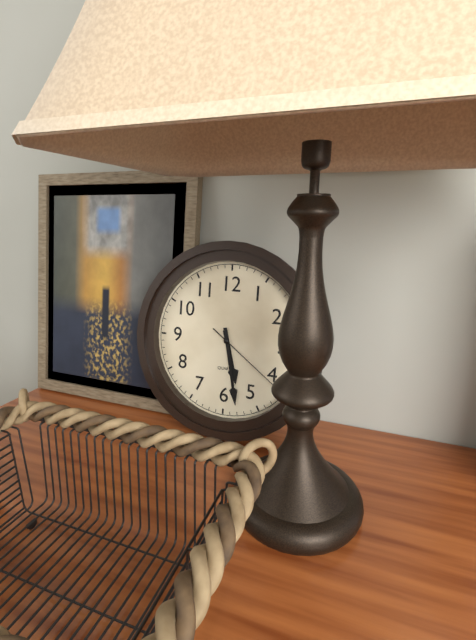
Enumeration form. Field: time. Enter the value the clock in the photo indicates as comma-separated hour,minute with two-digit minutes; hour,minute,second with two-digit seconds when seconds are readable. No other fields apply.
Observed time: 5,28,21
